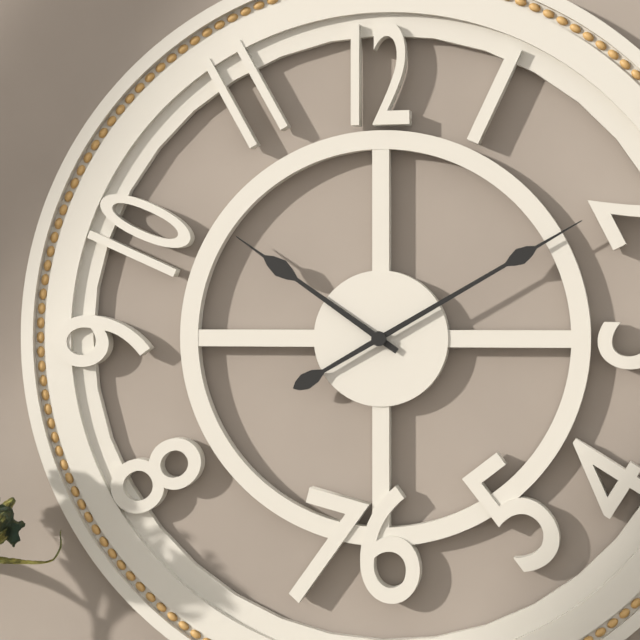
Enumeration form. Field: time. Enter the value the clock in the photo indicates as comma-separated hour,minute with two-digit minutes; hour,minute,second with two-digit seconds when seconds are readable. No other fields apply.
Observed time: 10,10
